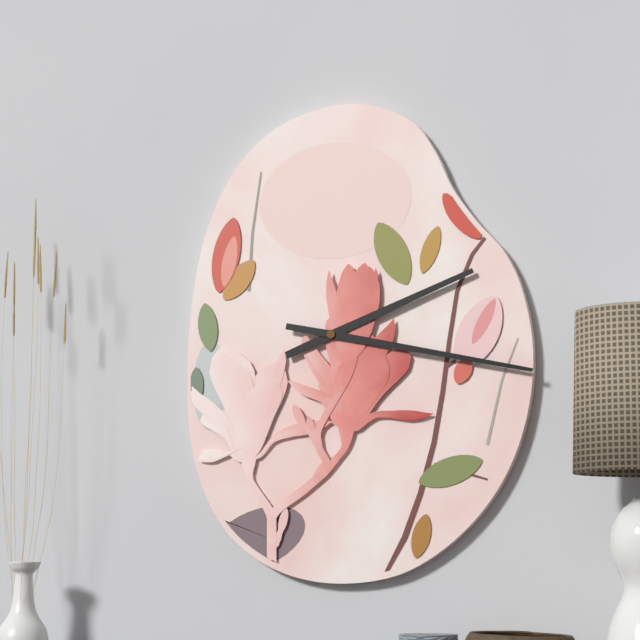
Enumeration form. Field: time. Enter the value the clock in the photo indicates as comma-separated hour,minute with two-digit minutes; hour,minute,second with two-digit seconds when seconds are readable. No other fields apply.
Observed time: 2,17
